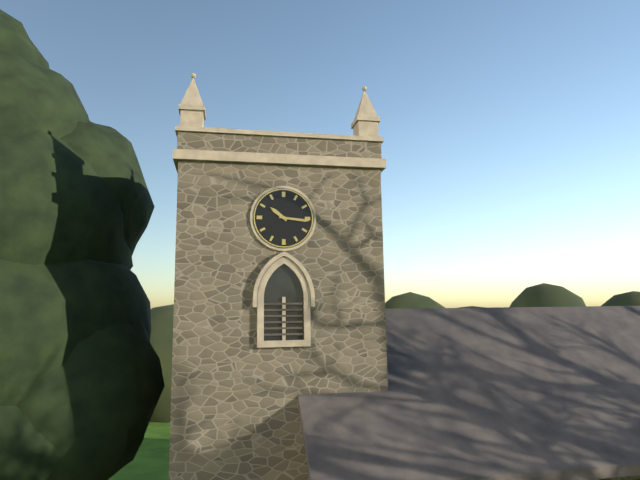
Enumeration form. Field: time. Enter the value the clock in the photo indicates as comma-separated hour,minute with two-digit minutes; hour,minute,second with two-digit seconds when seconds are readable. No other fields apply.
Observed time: 10,16
